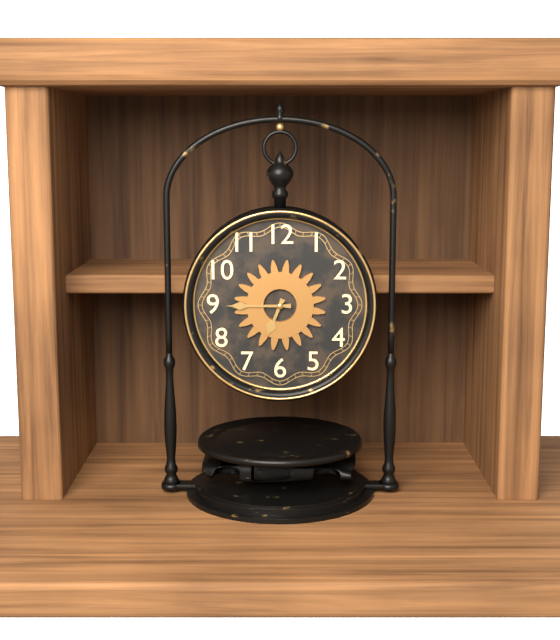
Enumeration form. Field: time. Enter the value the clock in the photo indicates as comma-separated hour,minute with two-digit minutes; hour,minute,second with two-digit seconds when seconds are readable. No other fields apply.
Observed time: 6,45
